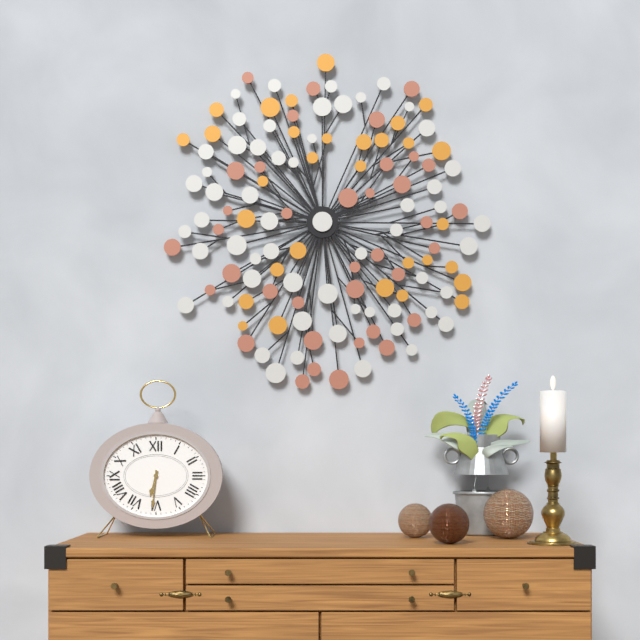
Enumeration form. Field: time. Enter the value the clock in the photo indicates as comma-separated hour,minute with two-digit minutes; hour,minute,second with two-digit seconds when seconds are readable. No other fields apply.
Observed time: 6,31
